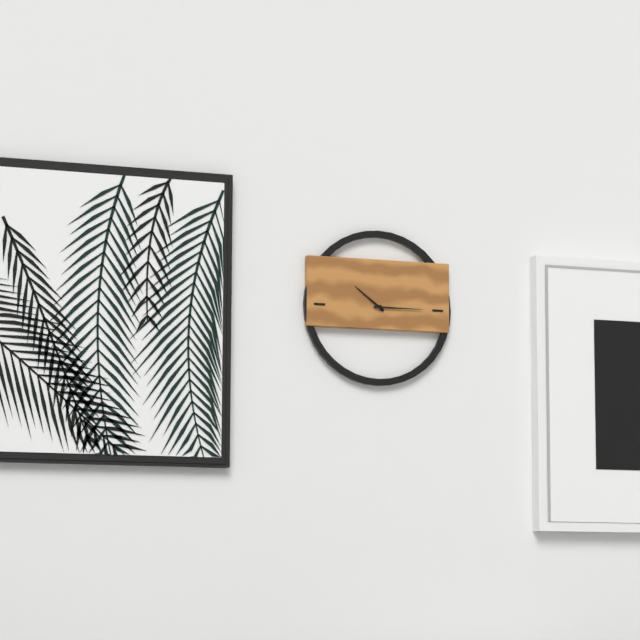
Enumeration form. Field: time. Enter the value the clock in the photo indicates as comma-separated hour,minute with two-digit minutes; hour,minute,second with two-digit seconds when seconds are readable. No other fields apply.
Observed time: 10,15
